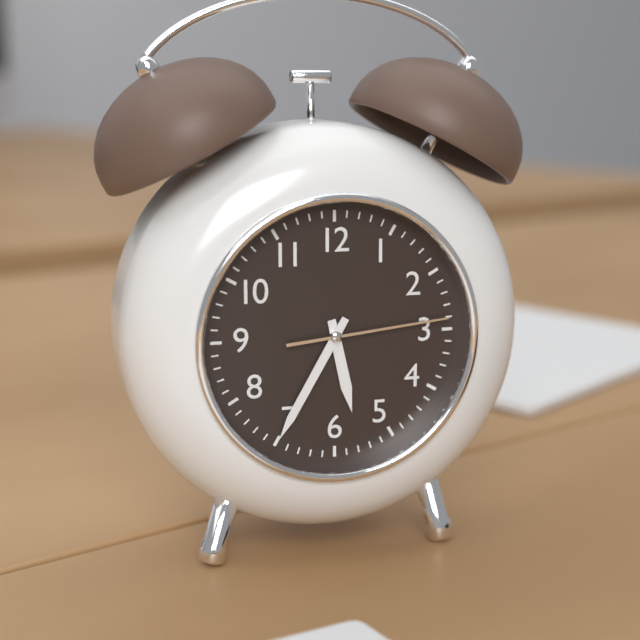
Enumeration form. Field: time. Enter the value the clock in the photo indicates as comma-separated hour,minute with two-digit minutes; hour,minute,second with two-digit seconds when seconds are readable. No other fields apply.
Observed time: 5,35,14
